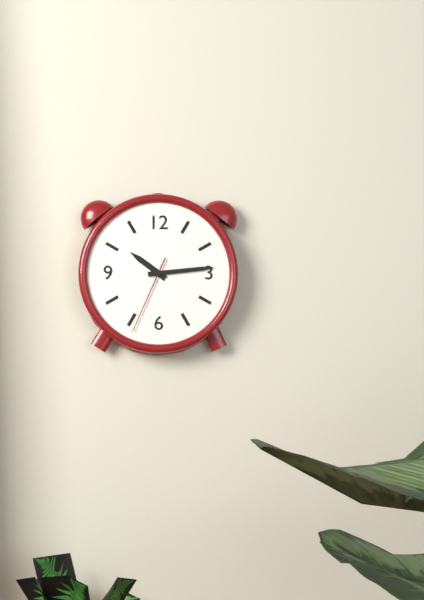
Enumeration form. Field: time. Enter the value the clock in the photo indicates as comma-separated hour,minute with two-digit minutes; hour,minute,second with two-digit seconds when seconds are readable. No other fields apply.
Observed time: 10,14,34
